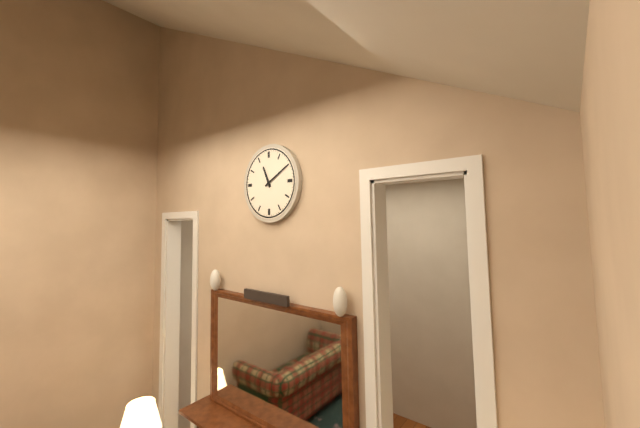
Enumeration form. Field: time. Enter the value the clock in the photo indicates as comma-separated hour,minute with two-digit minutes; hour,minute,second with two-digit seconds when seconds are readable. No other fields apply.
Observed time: 11,10
